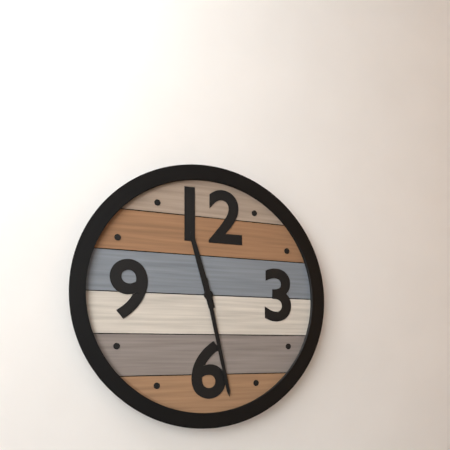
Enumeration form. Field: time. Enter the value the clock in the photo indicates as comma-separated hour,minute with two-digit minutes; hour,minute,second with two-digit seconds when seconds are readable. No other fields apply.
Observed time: 11,28
